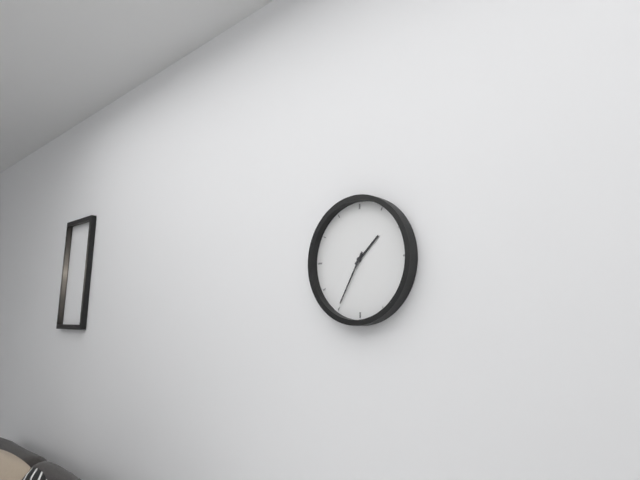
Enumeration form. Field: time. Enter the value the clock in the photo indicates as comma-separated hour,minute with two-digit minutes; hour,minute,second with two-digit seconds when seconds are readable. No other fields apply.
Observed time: 1,35
